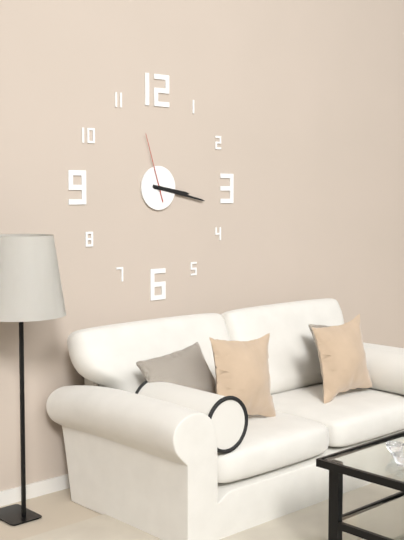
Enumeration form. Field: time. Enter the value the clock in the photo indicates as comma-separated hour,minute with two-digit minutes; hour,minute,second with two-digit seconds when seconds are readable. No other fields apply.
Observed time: 3,17,57
